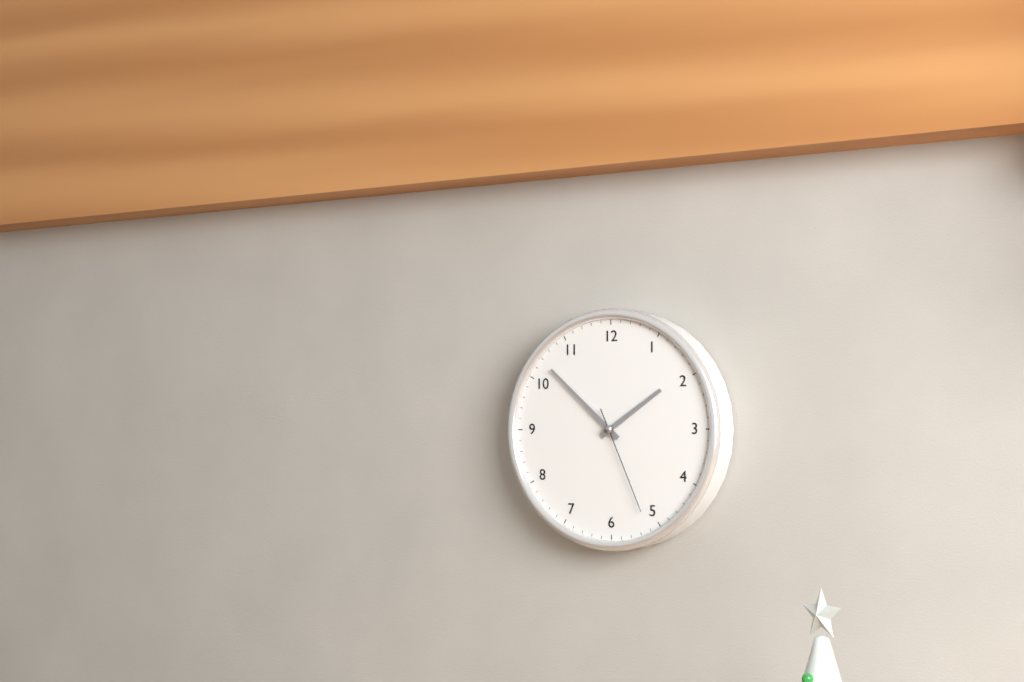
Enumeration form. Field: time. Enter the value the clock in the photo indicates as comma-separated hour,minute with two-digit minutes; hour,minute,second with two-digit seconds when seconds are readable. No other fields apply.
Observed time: 1,52,26
